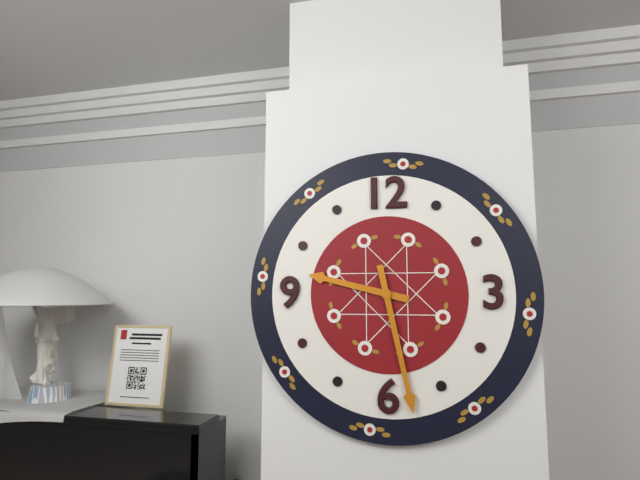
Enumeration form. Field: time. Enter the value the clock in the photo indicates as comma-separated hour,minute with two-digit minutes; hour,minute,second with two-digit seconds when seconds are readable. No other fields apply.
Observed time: 9,28
